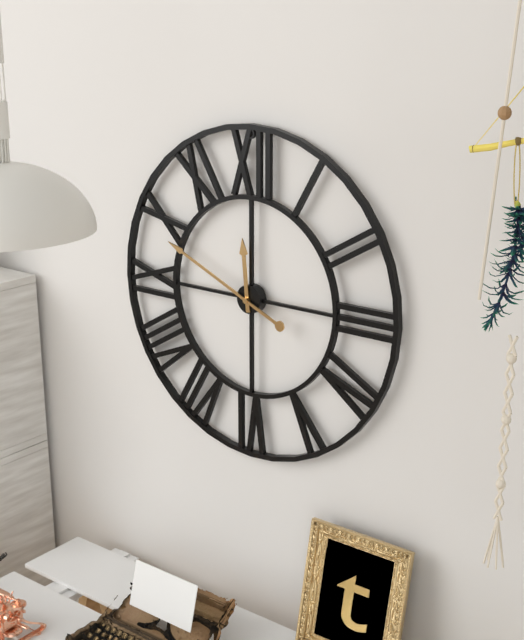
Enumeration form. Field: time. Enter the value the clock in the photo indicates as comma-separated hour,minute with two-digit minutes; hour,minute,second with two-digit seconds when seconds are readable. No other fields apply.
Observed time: 11,49
